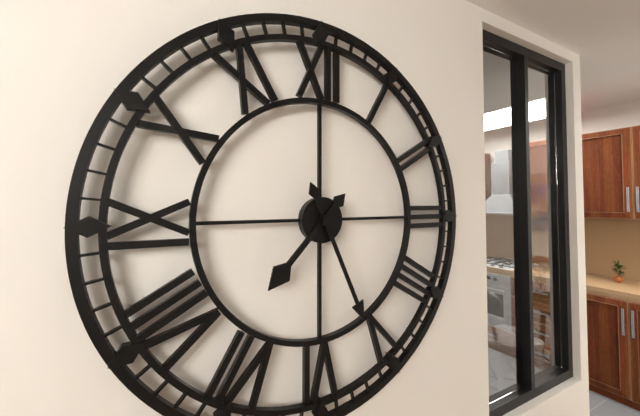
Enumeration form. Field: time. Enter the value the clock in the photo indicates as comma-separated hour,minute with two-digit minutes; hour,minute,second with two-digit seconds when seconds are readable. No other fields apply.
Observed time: 7,26
